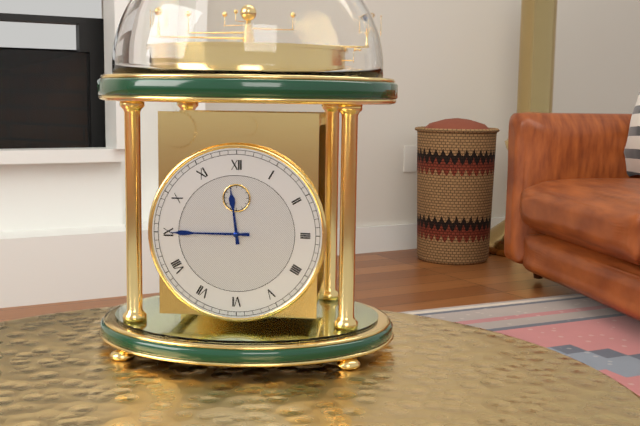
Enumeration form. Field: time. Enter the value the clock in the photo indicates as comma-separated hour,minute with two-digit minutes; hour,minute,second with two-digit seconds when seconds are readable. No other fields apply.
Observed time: 11,45
